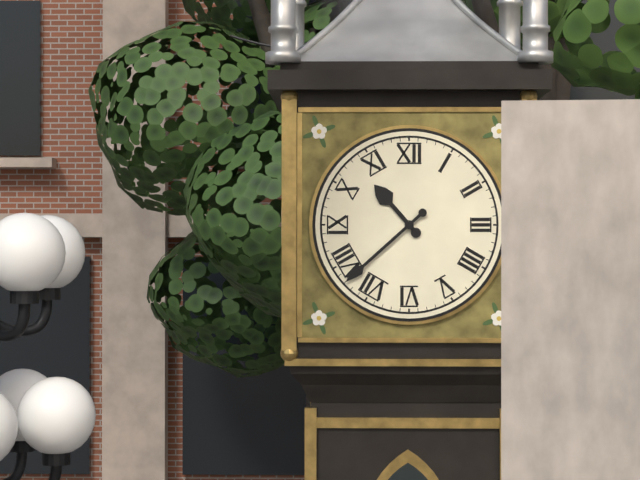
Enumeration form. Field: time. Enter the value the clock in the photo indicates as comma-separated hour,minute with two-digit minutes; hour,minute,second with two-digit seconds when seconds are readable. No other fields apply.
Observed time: 10,38
